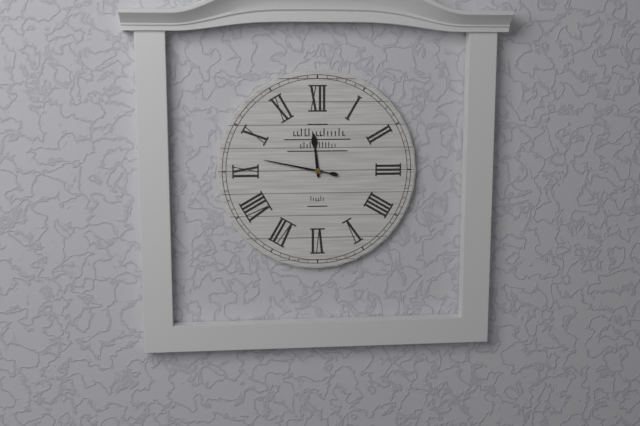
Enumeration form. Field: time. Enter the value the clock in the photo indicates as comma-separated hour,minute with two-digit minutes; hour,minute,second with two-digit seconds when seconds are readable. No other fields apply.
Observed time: 11,47
